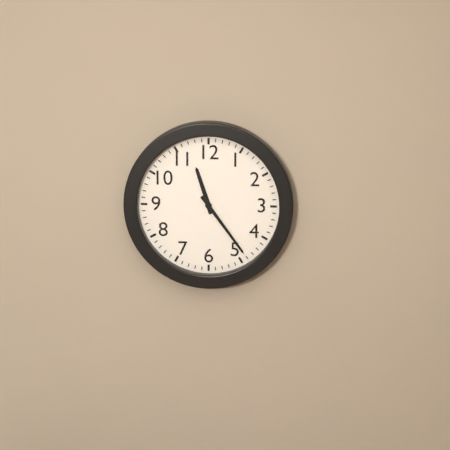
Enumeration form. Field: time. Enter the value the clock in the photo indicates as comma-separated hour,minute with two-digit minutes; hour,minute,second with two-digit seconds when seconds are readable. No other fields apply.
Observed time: 11,24
